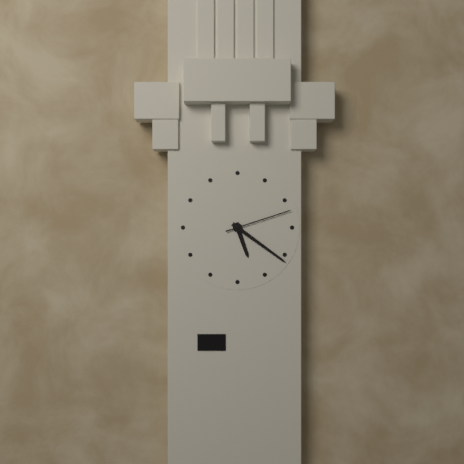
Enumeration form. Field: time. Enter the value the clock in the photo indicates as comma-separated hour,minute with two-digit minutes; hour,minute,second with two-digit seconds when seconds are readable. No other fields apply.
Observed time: 5,21,12
